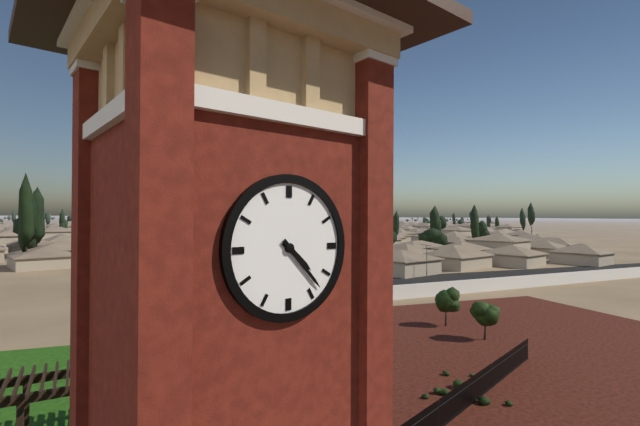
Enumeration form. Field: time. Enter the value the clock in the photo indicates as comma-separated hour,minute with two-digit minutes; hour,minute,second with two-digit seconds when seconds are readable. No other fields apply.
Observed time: 4,23
